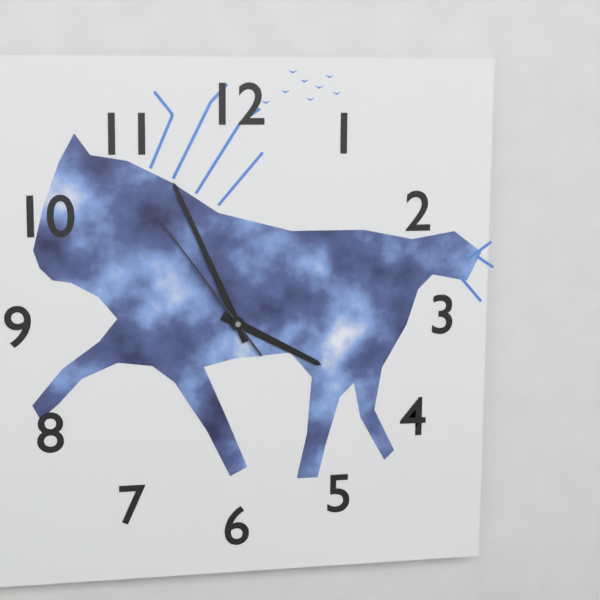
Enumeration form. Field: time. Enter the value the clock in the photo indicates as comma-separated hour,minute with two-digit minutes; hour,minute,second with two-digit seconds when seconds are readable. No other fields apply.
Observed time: 3,56,54
